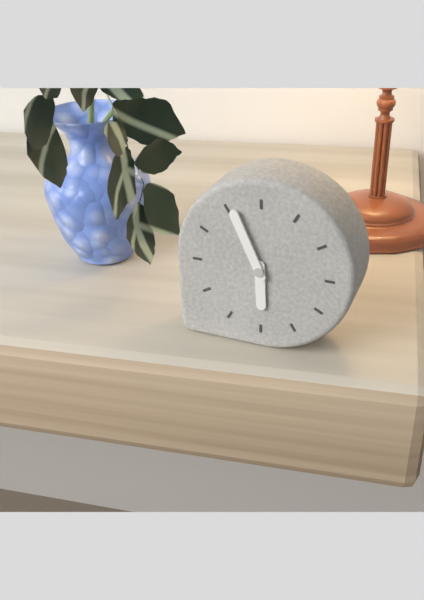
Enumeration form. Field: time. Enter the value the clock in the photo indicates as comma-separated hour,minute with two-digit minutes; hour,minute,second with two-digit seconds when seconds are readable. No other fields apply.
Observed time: 5,56
